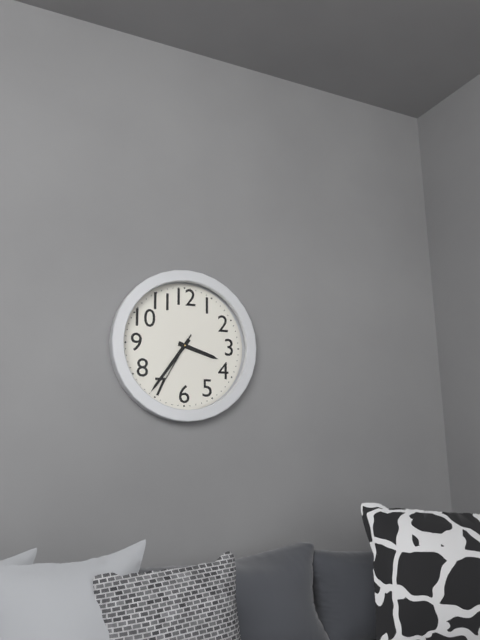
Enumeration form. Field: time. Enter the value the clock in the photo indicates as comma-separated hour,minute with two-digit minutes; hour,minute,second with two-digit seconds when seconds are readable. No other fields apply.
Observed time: 3,36,35
